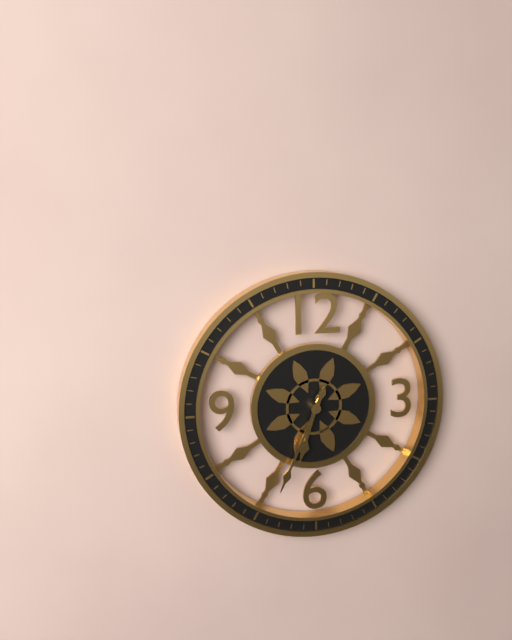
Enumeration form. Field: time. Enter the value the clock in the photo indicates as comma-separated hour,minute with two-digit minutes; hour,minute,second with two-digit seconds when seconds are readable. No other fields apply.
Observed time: 6,34
